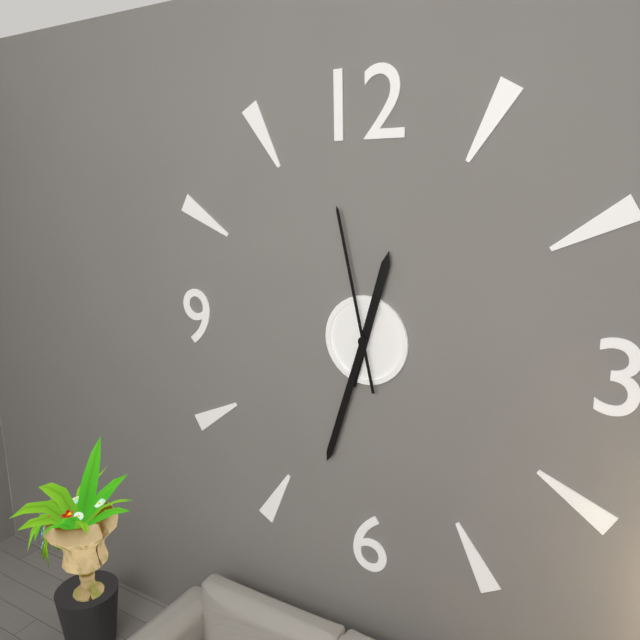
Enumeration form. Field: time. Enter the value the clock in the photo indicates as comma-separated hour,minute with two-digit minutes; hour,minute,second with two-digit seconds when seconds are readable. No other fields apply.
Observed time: 12,33,58
